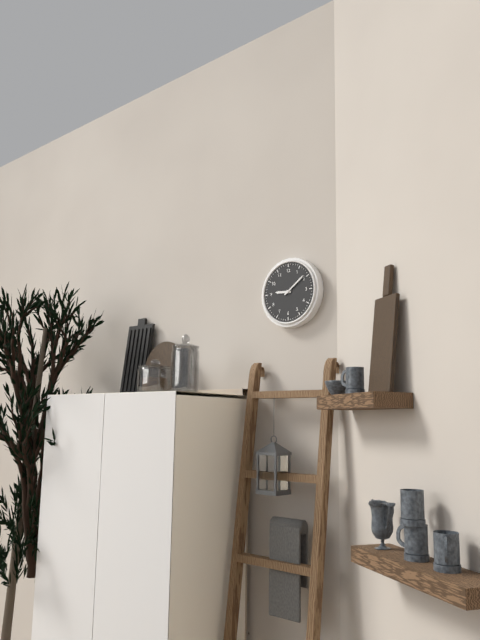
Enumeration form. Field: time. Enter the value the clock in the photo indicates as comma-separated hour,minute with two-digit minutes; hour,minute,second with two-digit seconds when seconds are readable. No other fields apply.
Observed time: 9,09
